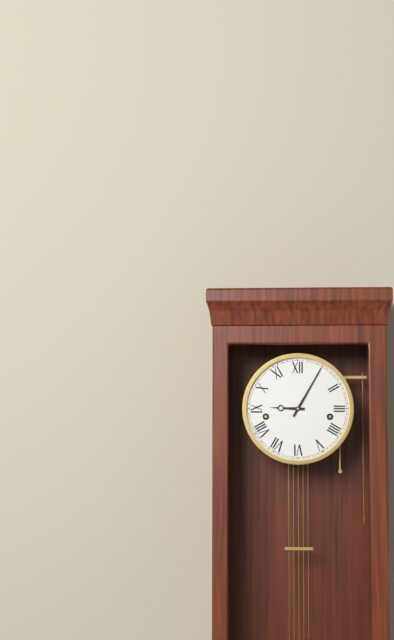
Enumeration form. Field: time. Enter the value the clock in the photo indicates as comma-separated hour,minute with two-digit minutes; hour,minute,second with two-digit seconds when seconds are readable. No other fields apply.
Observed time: 9,05
